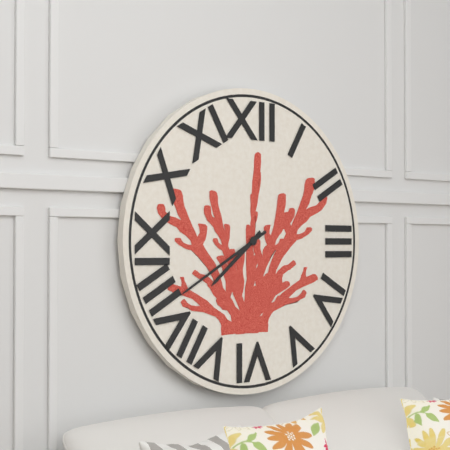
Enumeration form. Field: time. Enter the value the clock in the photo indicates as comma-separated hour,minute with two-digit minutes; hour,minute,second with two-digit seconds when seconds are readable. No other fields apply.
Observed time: 7,40
